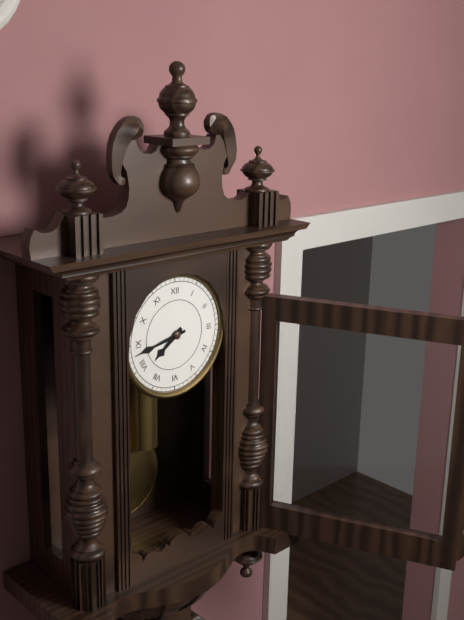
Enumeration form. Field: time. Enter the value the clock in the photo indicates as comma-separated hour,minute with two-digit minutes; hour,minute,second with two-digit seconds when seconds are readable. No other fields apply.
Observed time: 7,43
